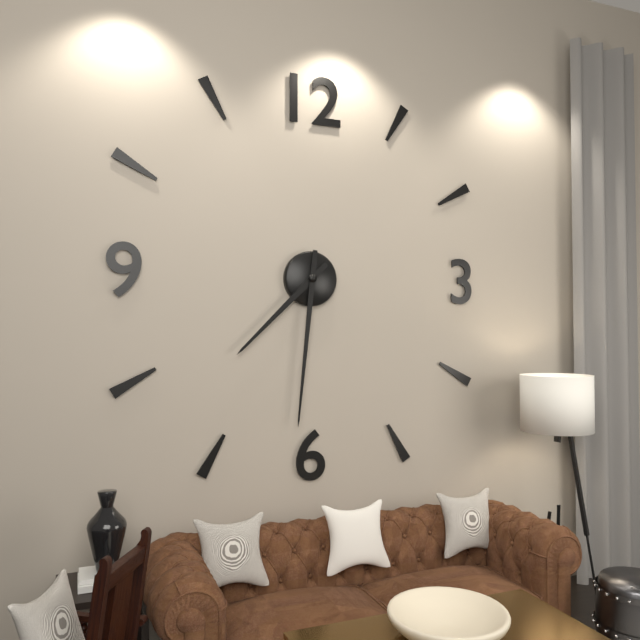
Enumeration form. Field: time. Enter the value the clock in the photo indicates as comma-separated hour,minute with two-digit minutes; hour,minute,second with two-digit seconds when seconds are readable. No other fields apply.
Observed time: 7,31
